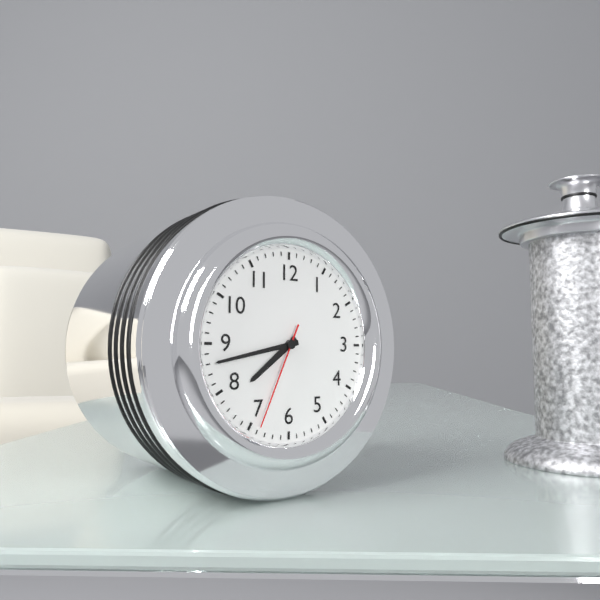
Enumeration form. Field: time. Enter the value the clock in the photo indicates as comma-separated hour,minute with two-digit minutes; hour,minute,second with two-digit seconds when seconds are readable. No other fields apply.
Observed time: 7,43,34
